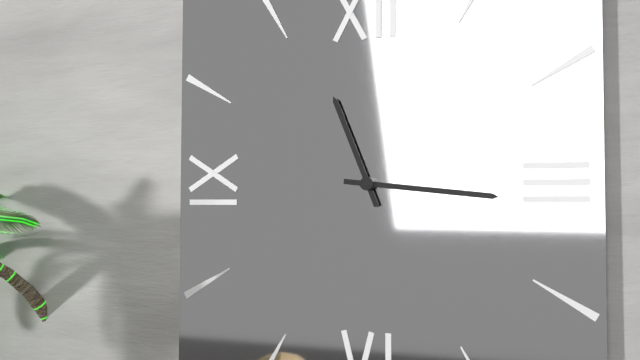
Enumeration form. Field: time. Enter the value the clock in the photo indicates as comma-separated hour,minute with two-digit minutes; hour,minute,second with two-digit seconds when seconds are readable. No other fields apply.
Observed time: 11,16
